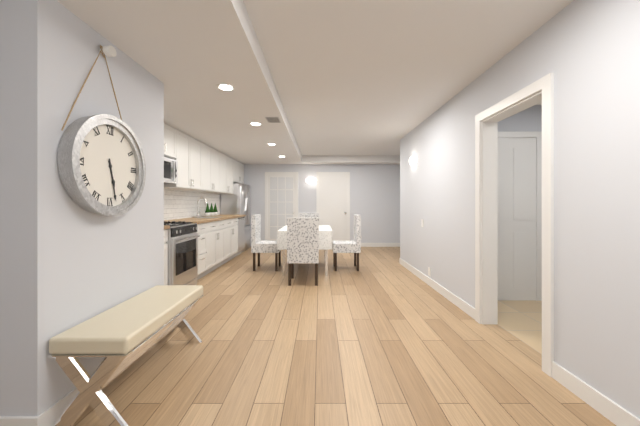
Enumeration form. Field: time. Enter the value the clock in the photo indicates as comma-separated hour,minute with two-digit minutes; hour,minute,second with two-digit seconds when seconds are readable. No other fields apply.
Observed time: 5,28
